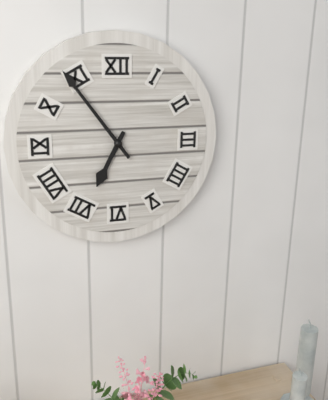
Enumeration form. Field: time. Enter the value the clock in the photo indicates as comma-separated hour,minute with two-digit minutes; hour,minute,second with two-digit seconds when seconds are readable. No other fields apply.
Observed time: 6,54
